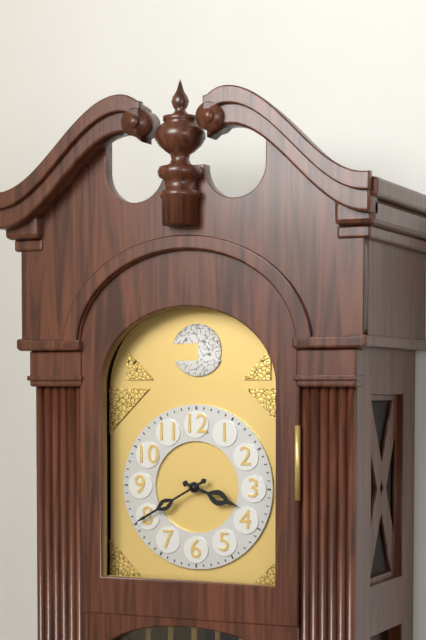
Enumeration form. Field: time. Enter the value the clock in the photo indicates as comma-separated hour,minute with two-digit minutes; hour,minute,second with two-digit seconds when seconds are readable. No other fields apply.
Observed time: 3,40
